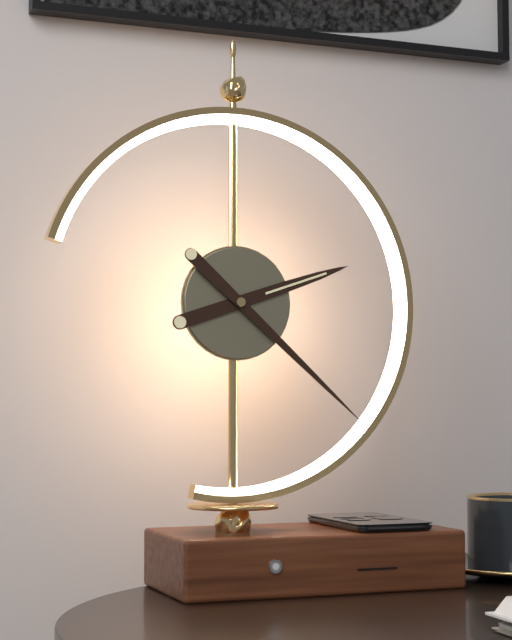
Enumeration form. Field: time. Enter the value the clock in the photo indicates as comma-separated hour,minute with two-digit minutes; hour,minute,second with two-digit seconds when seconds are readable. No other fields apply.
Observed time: 2,22
